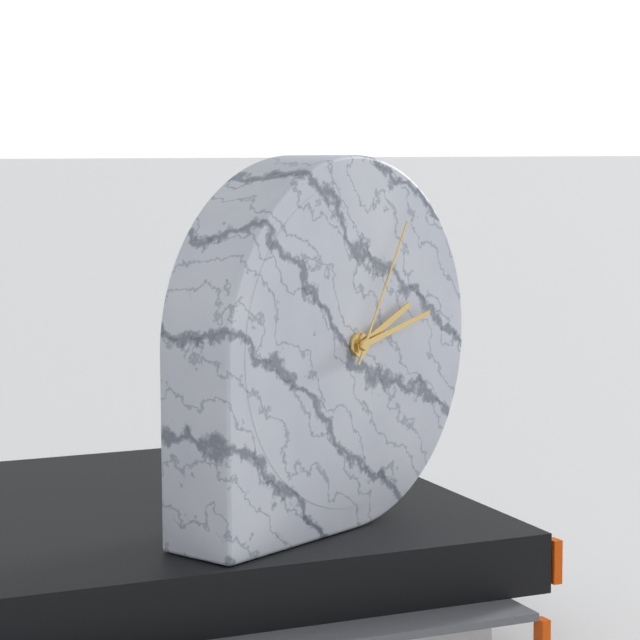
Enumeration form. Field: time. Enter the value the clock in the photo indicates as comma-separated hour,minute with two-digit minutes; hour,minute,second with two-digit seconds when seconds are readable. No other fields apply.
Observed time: 2,13,05
